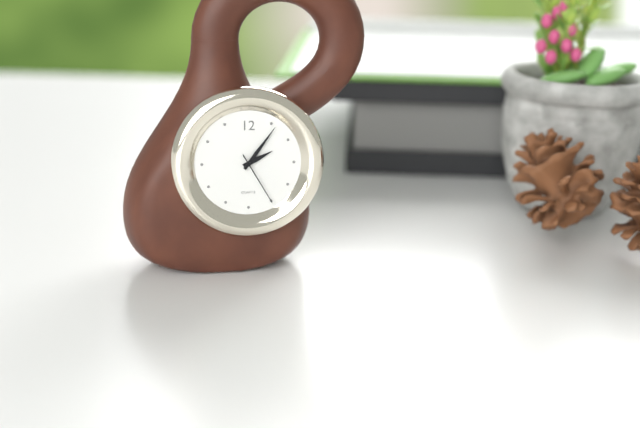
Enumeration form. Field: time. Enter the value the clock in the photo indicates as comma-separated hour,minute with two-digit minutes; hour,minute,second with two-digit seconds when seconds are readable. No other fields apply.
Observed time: 2,06,25
